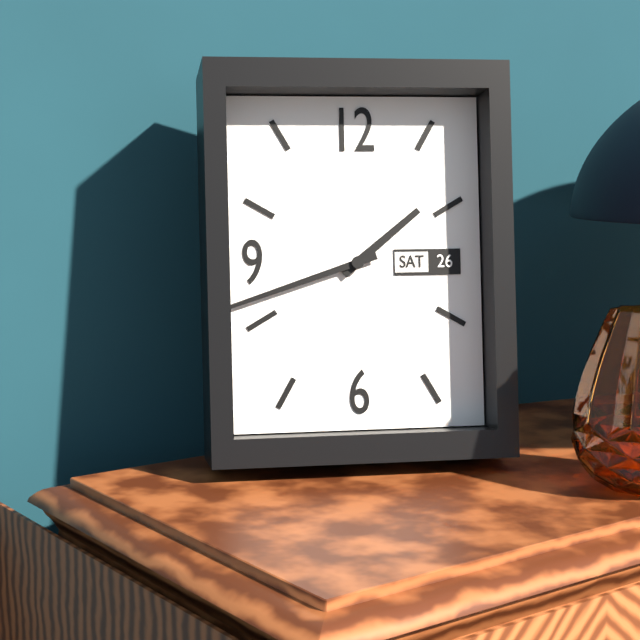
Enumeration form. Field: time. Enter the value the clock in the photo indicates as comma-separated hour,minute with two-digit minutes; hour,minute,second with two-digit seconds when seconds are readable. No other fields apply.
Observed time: 1,42
